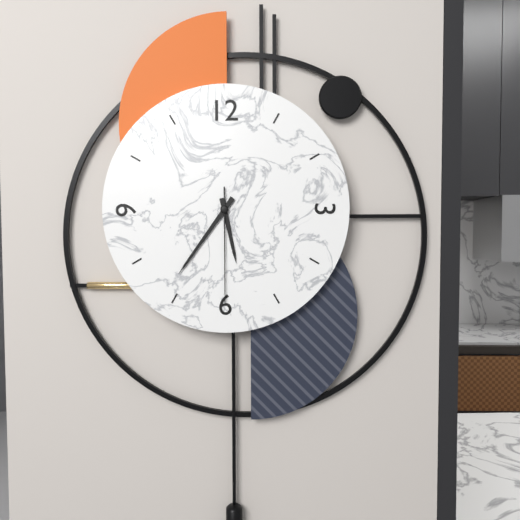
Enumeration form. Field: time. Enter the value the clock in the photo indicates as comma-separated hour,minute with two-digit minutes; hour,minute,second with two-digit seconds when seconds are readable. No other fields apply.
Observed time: 5,36,30
